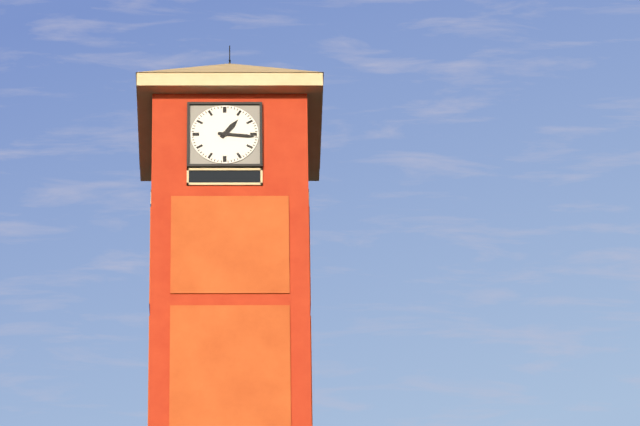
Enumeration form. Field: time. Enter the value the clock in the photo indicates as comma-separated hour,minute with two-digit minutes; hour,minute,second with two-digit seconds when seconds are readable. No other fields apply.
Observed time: 1,16
